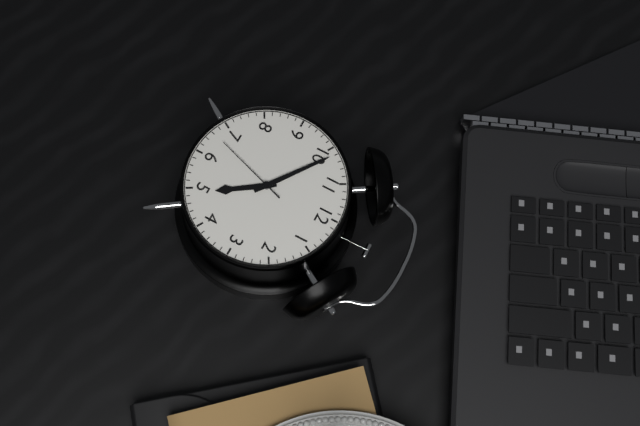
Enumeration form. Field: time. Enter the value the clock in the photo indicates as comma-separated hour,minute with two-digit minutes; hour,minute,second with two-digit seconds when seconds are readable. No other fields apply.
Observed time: 4,51,33
